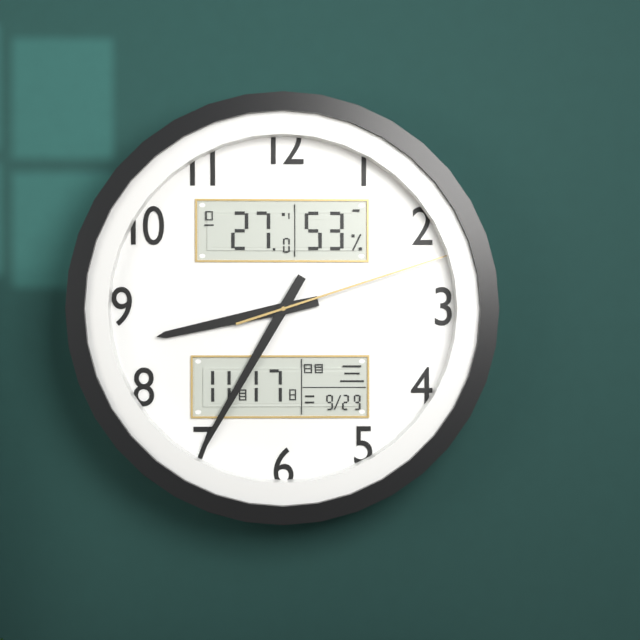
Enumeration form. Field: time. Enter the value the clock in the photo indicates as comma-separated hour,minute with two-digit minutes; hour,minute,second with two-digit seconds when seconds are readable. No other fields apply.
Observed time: 8,35,12
